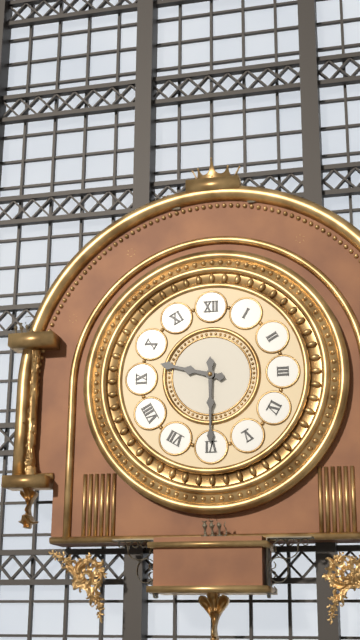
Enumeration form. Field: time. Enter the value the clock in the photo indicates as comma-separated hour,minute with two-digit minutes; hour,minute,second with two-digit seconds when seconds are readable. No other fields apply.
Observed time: 9,30
